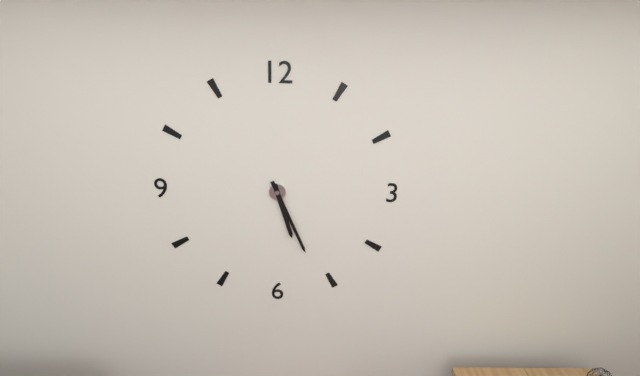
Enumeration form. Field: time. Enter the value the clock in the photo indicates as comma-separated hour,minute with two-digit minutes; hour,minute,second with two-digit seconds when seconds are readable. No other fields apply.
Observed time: 5,26
